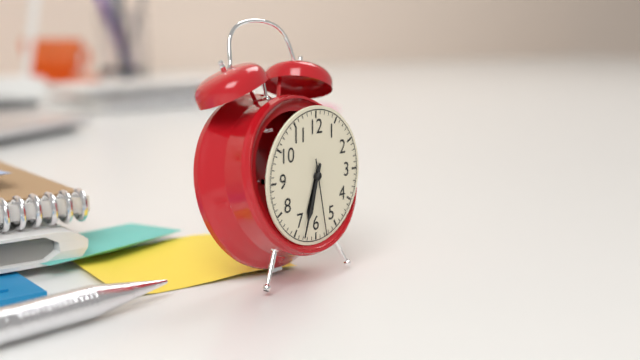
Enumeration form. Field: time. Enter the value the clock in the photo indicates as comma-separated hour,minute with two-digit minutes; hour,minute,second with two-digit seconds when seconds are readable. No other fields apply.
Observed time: 6,33,28
